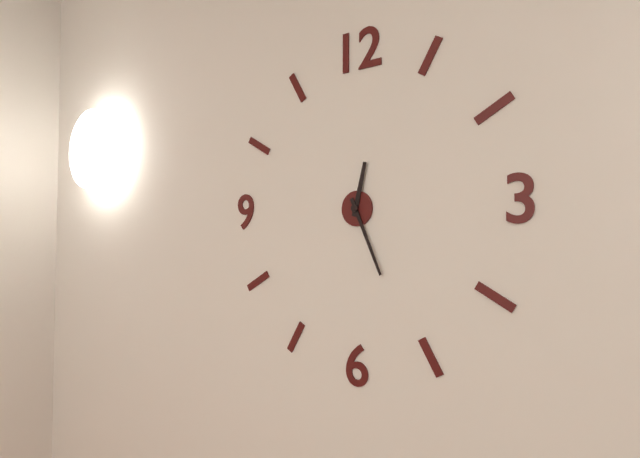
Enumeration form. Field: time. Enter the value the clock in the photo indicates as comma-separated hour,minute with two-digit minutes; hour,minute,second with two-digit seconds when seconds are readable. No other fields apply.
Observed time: 12,26
